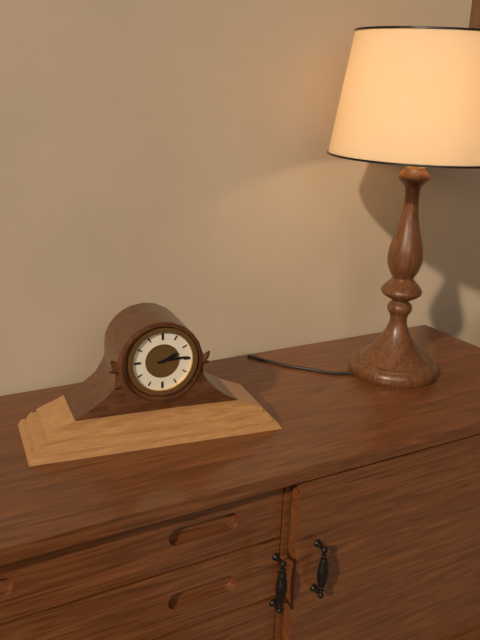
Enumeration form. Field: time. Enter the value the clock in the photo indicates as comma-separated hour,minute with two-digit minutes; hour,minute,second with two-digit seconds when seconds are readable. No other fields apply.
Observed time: 2,14
